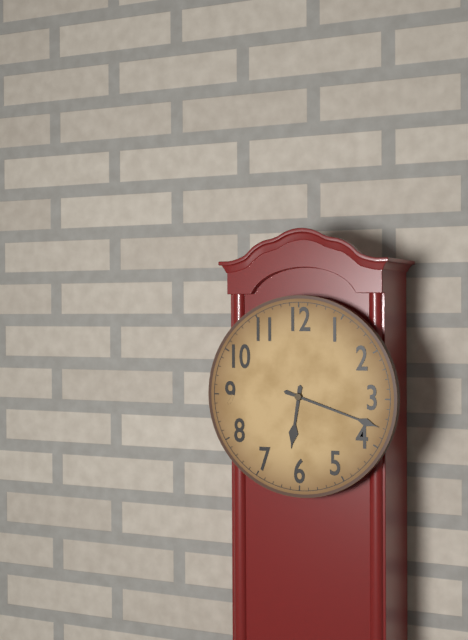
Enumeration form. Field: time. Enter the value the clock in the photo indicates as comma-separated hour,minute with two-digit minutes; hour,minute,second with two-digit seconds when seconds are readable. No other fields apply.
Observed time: 6,18
